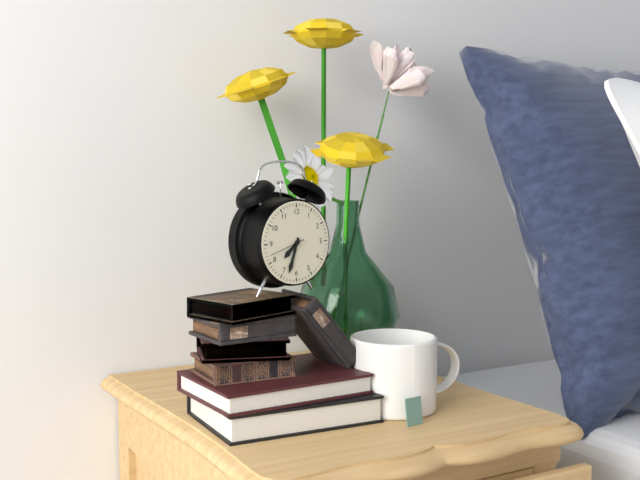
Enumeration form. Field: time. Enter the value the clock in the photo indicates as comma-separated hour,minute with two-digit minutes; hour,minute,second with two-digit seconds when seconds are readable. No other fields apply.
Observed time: 7,33
